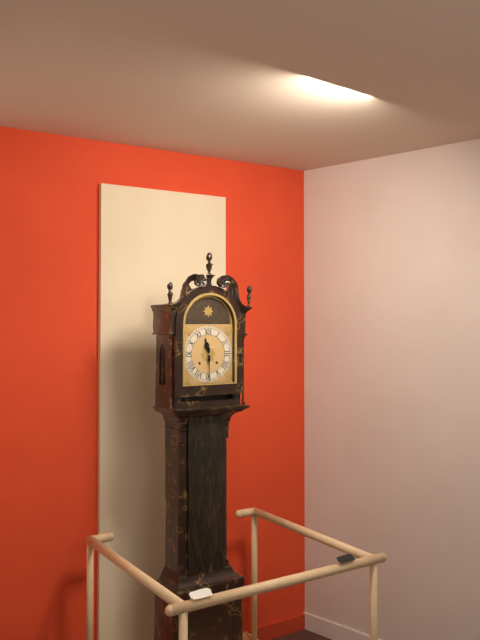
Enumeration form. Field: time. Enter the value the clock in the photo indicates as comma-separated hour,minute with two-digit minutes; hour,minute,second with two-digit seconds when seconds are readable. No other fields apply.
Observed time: 11,30
